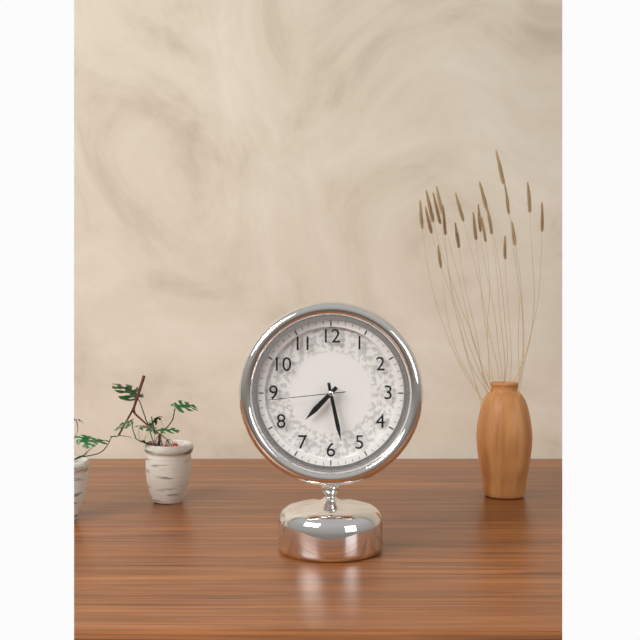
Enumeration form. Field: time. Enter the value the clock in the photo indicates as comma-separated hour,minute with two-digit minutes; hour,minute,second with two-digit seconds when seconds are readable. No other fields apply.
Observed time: 7,28,44
